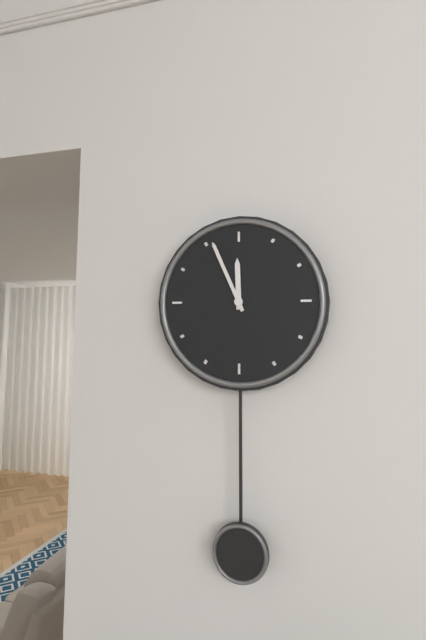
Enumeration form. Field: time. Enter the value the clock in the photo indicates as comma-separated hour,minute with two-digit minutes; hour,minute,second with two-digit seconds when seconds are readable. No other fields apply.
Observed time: 11,56
